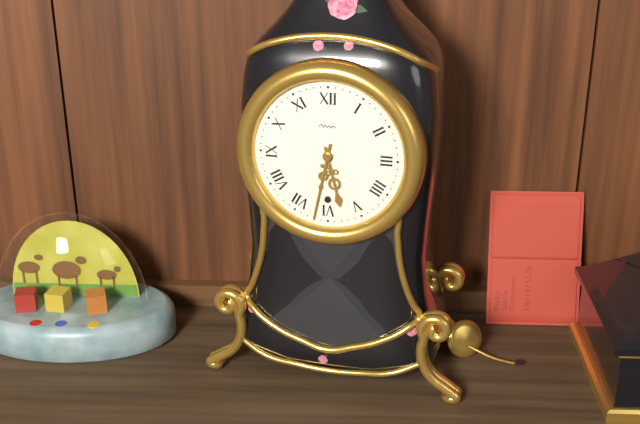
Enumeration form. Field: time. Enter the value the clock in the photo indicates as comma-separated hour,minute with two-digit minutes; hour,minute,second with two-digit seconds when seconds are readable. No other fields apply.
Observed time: 5,32
